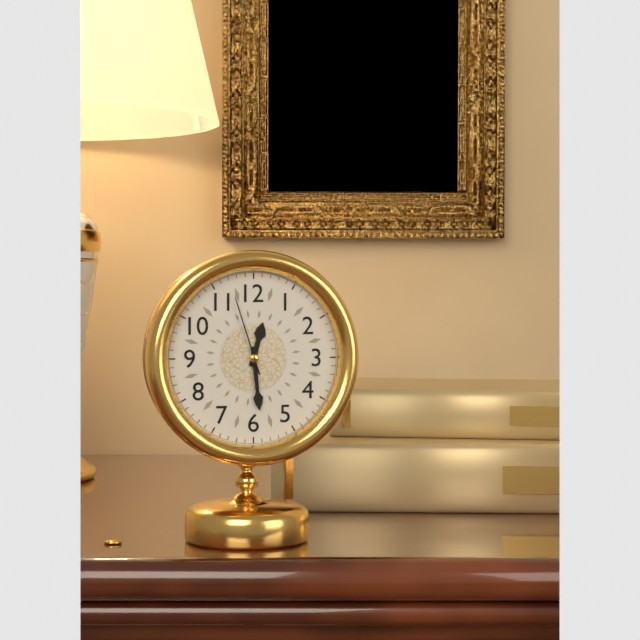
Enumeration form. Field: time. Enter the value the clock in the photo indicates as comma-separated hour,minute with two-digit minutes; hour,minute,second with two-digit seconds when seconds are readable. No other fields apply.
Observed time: 12,29,57
